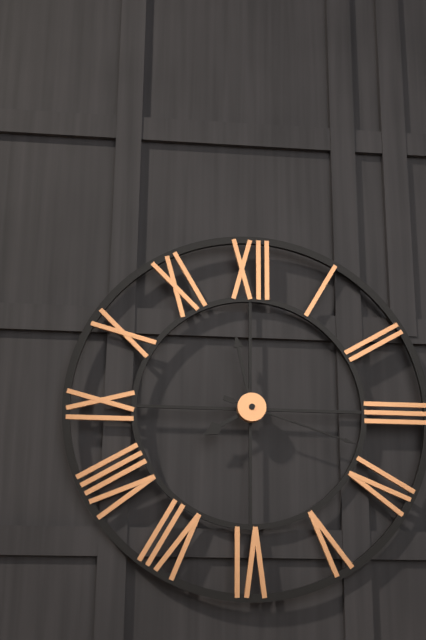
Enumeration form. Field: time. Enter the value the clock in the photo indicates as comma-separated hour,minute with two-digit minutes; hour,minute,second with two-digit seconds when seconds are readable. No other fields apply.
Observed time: 7,58,18
